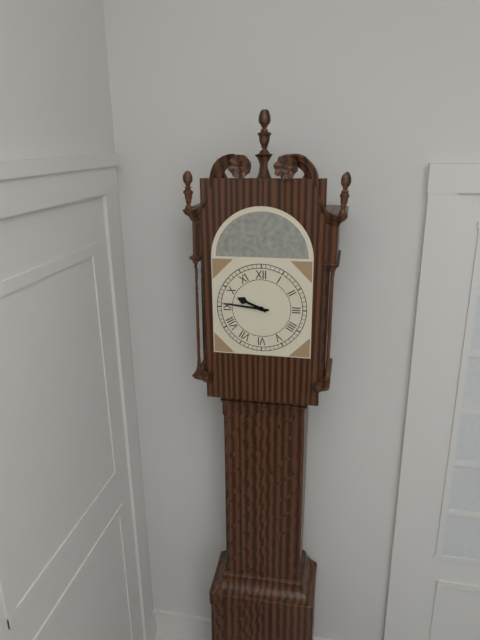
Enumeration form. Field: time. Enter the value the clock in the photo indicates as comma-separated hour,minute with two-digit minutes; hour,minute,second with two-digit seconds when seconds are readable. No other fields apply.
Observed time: 9,46
